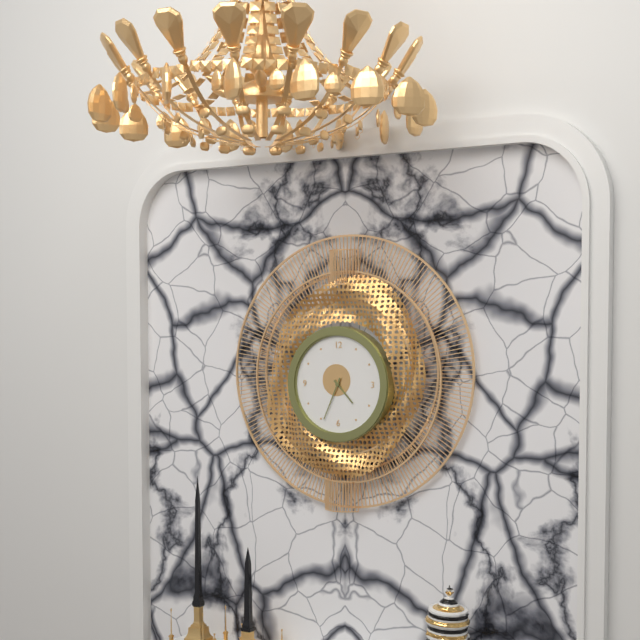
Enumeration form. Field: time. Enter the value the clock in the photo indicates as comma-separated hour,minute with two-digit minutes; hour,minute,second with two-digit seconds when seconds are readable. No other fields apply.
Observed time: 4,34
